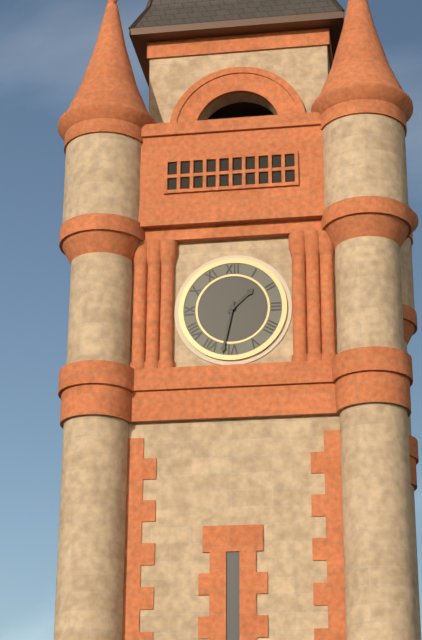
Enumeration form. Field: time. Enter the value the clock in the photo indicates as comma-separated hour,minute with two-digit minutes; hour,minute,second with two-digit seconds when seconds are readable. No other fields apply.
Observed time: 1,32
